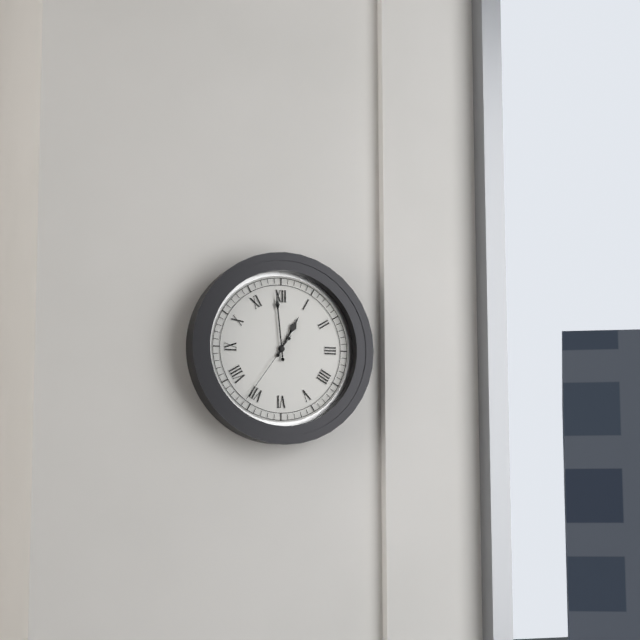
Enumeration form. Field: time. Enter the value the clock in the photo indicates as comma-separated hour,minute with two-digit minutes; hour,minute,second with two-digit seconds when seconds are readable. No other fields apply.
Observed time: 12,59,36
